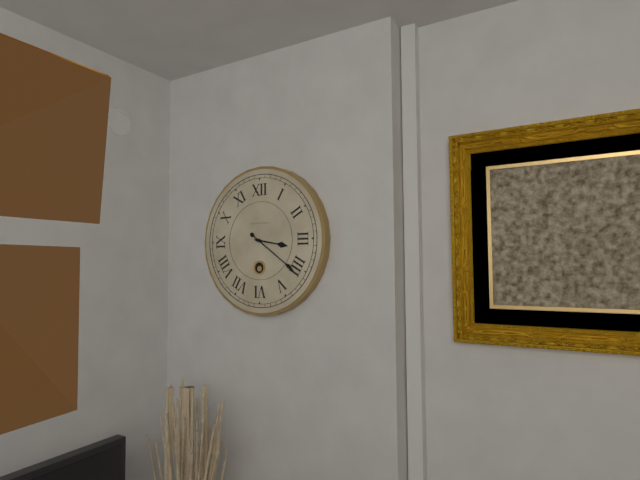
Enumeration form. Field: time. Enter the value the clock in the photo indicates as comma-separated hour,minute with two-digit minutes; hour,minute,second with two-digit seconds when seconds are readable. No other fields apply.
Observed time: 3,21
